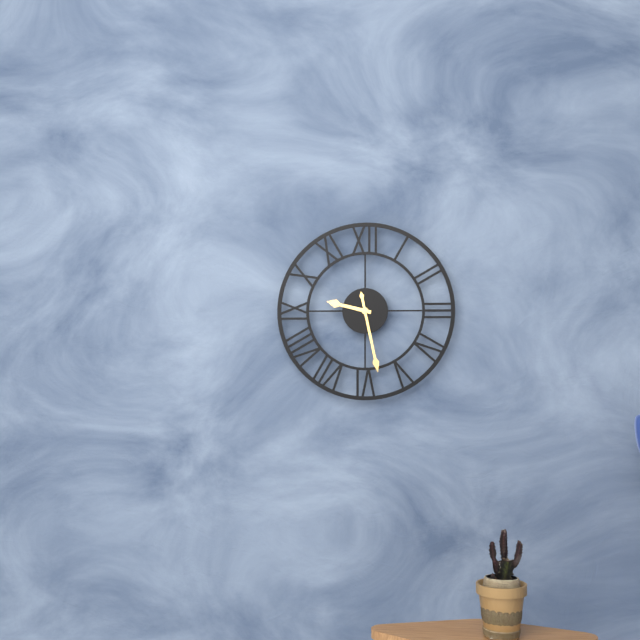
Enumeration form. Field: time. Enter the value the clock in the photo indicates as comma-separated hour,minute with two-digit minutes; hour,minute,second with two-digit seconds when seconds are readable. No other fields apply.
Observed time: 9,28
